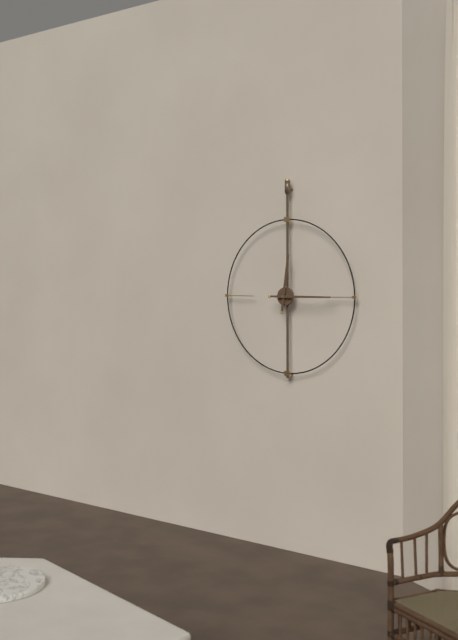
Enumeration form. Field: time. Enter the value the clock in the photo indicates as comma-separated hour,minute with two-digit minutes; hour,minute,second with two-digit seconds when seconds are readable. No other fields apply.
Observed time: 12,15
